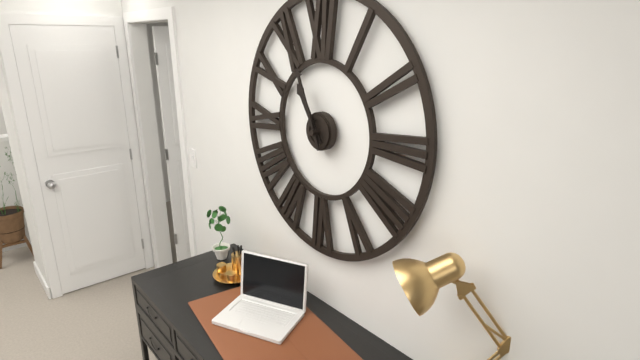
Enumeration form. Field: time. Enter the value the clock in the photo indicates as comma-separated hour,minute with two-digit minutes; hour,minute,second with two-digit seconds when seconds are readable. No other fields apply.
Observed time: 10,56
